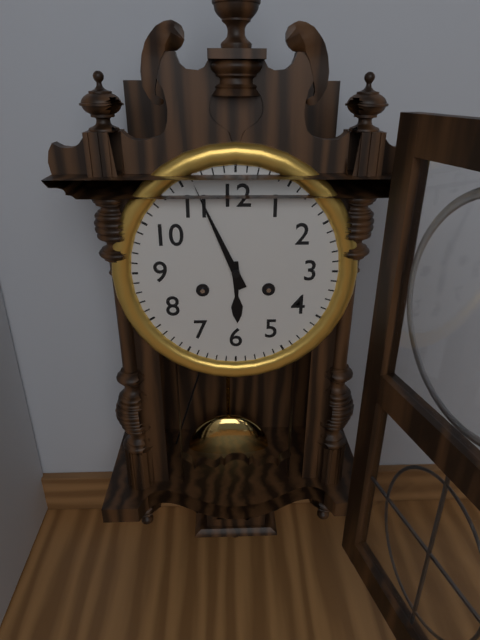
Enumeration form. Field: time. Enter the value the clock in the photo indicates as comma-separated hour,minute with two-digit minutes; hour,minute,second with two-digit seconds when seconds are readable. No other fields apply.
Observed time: 5,56
